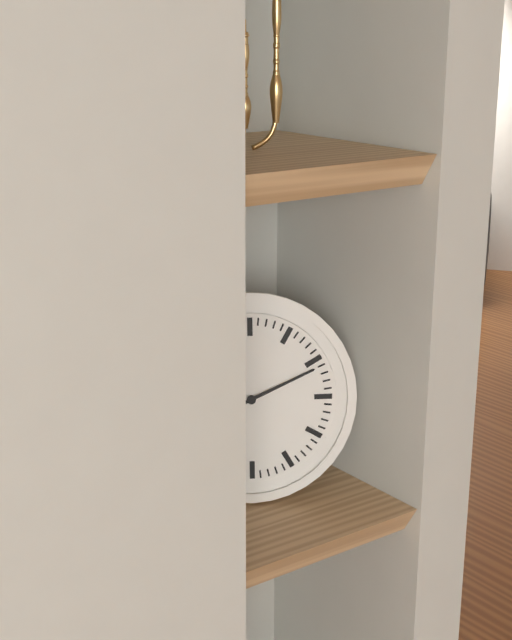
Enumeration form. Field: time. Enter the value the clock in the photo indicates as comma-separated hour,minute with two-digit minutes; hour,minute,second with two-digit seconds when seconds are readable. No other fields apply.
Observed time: 2,11
